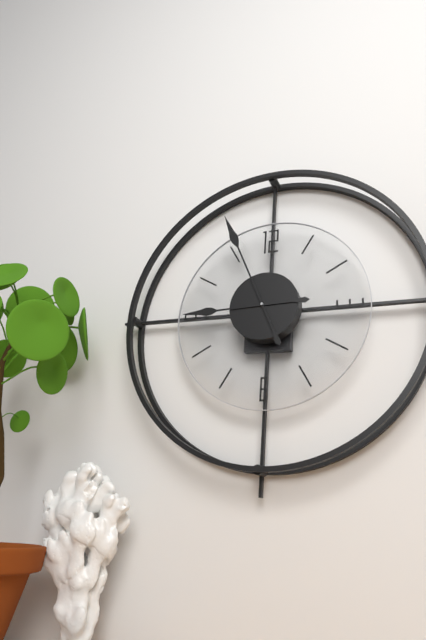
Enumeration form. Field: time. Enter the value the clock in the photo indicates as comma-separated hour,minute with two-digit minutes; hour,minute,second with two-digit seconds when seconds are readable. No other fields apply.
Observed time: 8,56
